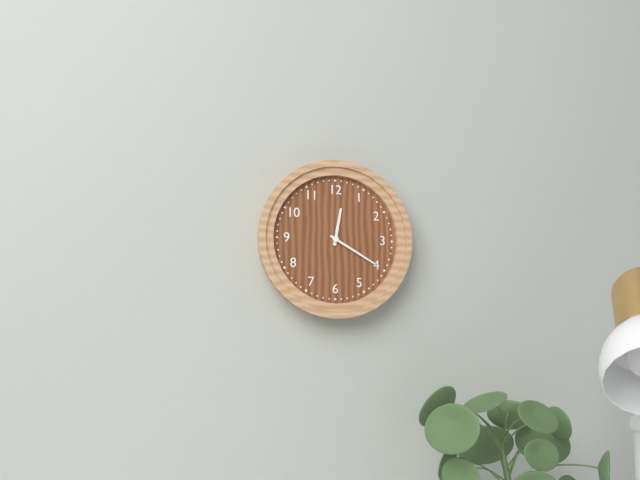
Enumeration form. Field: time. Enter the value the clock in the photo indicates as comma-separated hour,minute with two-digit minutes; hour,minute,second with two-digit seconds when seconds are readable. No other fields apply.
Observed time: 12,20
